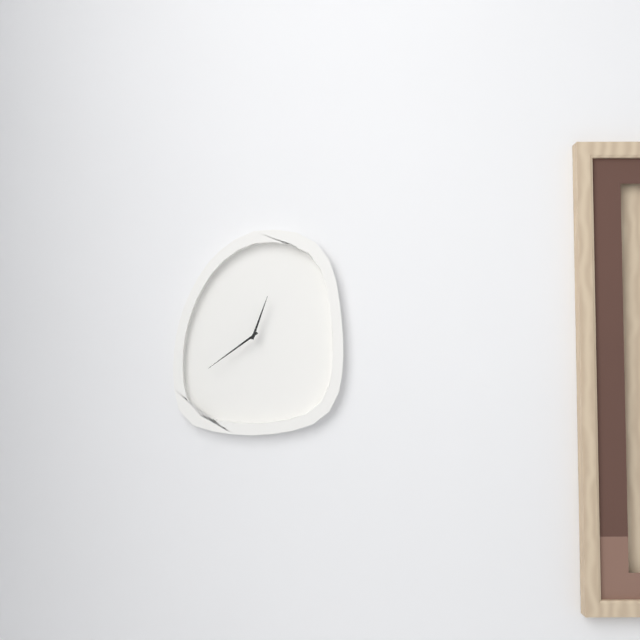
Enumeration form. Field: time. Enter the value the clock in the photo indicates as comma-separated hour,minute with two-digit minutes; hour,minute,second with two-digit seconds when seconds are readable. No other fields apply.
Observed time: 12,39
